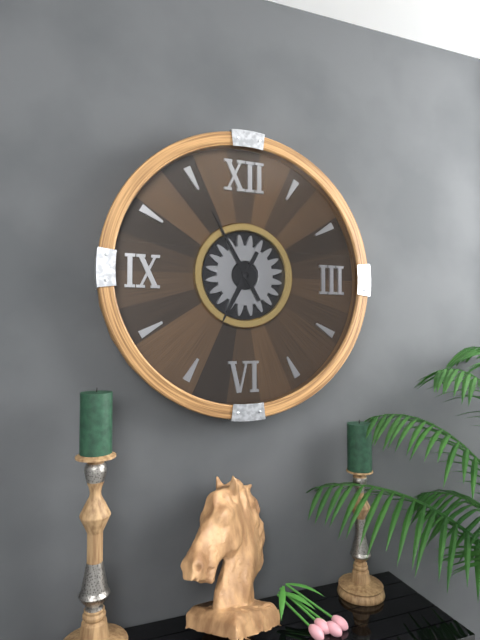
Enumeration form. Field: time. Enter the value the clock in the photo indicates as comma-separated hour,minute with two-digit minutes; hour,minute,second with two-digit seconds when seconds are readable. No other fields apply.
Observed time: 6,55
